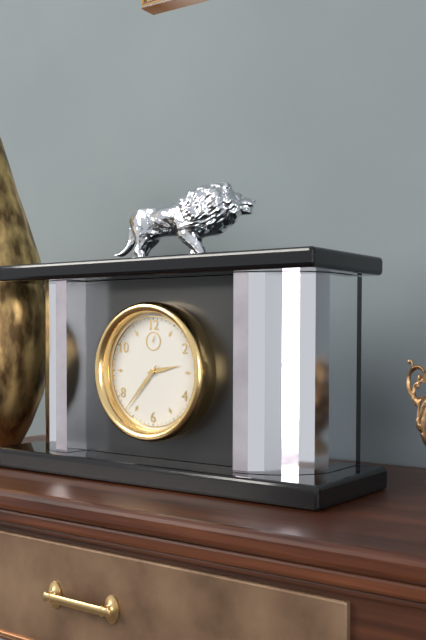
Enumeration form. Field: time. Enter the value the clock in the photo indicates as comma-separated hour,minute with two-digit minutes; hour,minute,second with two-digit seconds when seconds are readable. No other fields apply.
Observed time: 2,37
